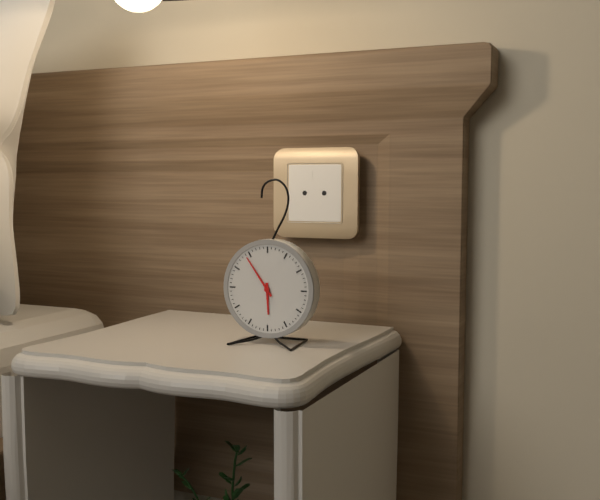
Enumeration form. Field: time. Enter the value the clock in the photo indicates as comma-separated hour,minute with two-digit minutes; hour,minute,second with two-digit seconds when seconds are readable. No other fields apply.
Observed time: 5,54
